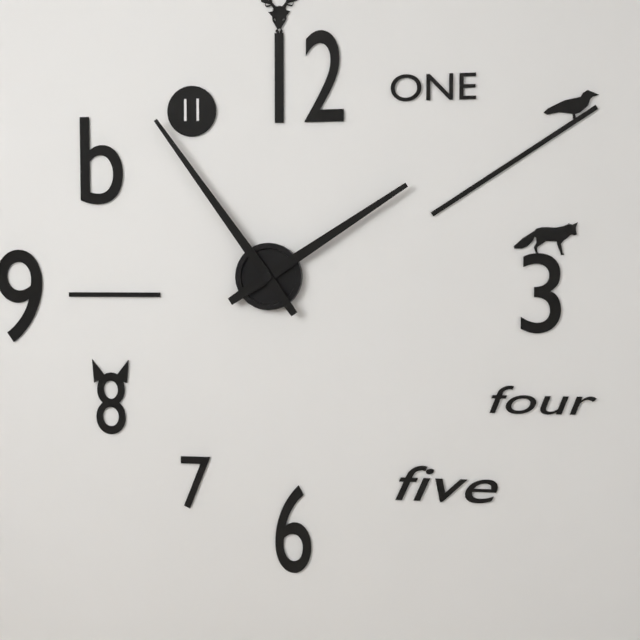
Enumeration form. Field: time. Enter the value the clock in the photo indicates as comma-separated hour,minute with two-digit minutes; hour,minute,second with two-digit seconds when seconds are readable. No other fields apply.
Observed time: 1,54
